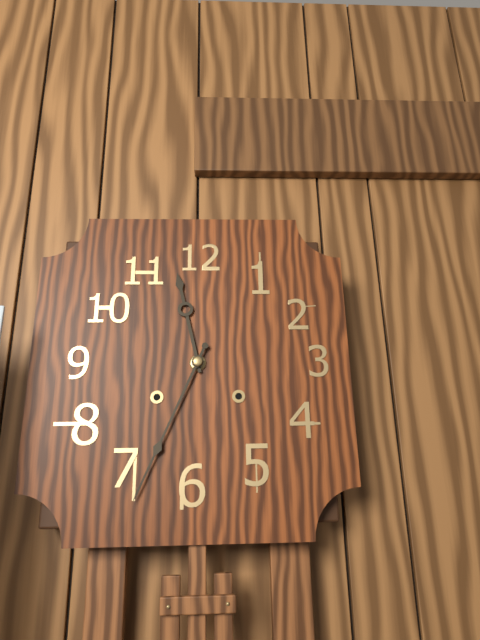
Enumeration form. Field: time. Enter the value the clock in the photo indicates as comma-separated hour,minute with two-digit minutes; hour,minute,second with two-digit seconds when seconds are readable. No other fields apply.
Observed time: 11,34
